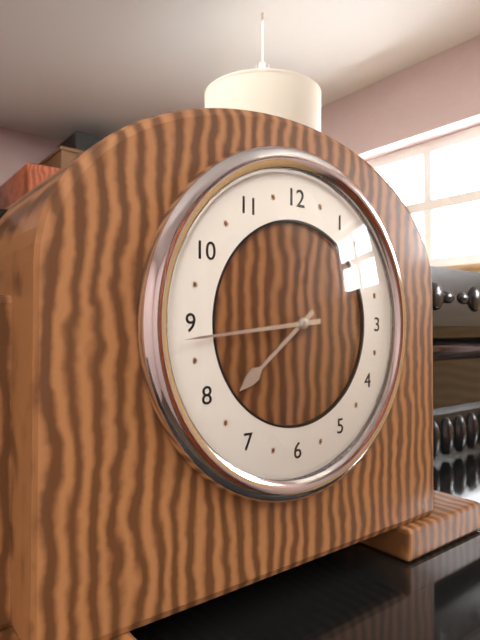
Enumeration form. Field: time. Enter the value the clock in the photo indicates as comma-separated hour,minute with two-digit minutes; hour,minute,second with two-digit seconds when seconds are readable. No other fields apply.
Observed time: 7,44
